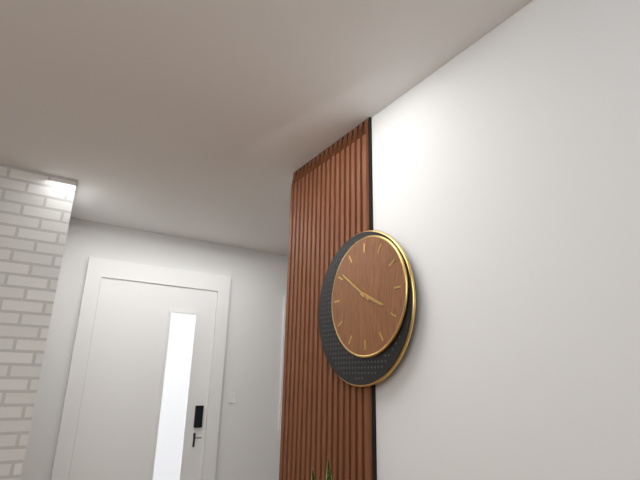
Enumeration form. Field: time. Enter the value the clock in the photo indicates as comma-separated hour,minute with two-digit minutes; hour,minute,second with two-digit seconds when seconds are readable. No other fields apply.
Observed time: 3,51
